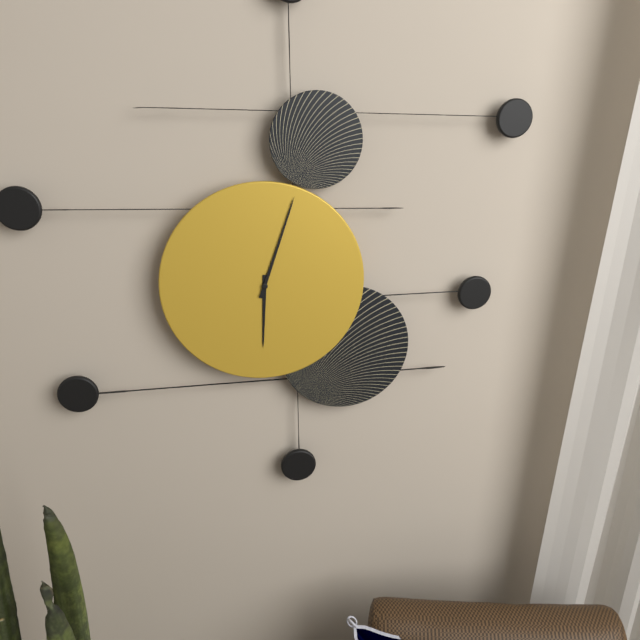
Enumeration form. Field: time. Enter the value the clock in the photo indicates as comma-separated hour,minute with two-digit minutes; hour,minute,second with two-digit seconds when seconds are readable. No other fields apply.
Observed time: 6,03
